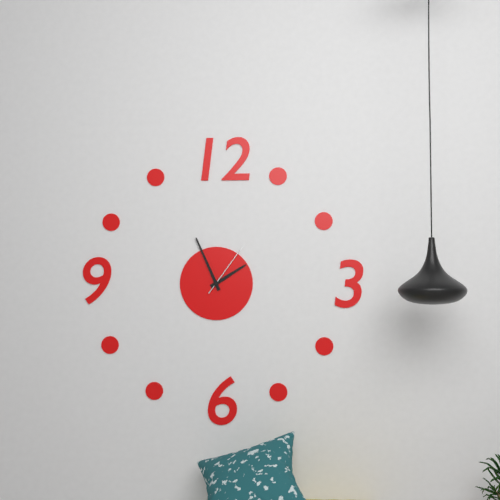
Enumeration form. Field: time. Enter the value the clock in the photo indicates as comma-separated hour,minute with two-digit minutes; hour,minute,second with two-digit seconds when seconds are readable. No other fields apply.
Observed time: 1,56,06
